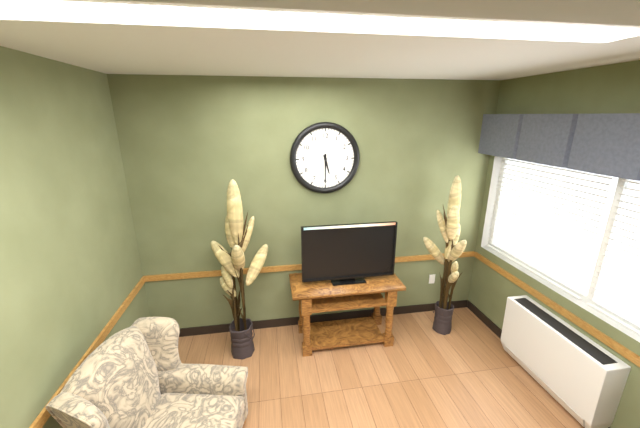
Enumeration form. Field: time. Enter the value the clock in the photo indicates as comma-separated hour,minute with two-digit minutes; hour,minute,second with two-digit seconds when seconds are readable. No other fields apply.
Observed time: 5,30
